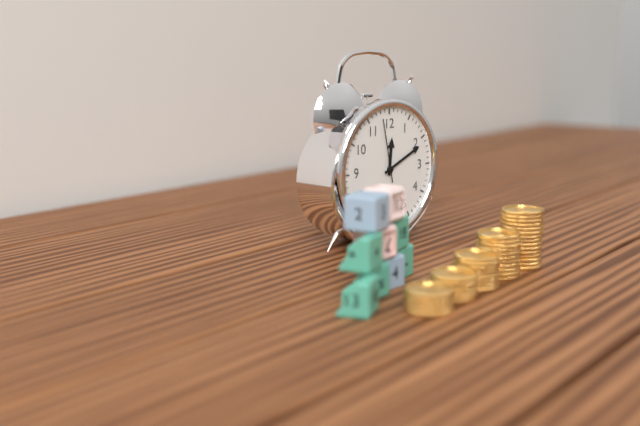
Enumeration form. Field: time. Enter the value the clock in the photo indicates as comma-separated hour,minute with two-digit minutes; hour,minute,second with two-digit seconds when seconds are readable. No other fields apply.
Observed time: 12,11,58
